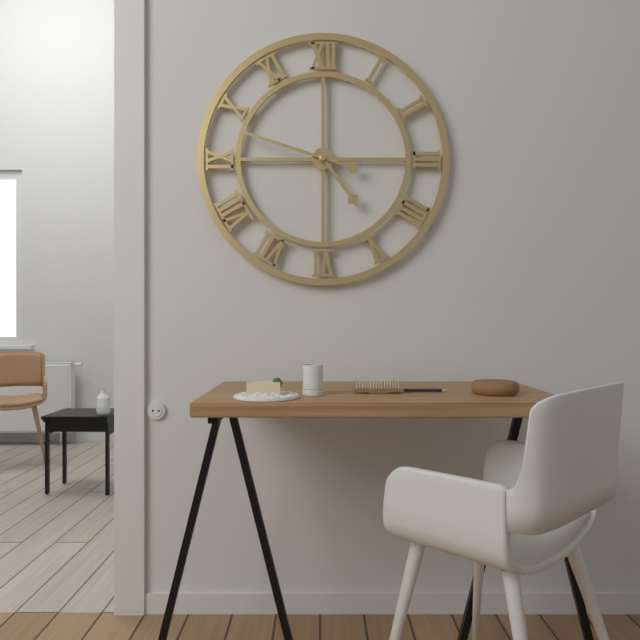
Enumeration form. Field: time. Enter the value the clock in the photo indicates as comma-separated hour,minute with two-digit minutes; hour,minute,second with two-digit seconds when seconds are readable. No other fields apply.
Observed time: 4,48
